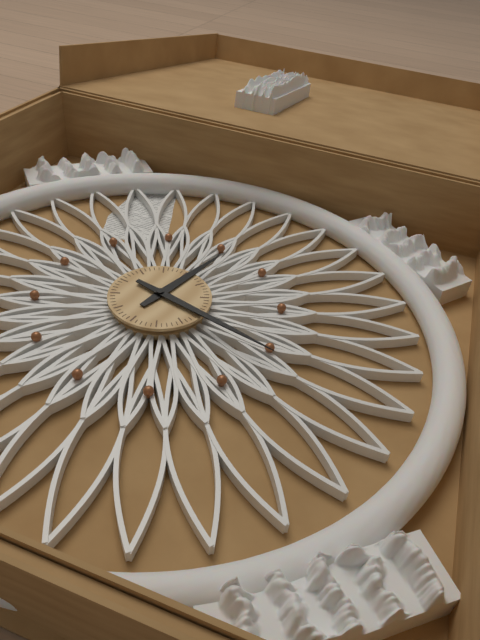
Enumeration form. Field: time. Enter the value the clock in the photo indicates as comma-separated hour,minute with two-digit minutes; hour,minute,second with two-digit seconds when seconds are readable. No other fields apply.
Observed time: 12,16
